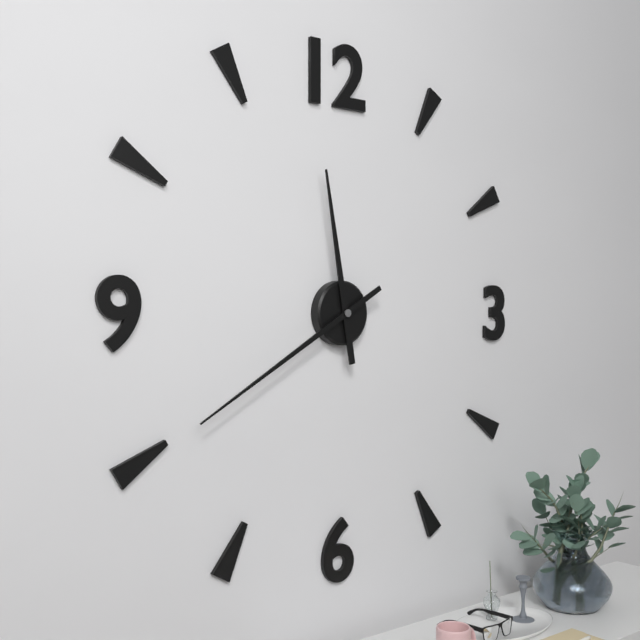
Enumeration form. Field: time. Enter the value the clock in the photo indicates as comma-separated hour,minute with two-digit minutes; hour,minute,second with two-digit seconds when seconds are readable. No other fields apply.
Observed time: 11,40
